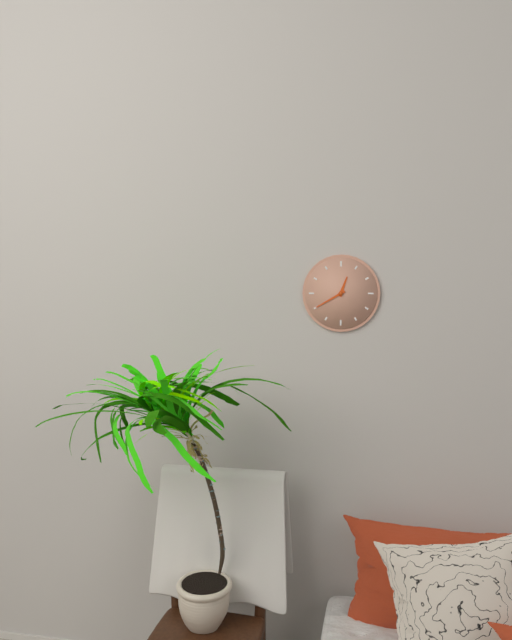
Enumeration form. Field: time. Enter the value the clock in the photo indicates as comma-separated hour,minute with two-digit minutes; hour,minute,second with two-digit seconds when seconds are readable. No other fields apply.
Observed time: 12,40
